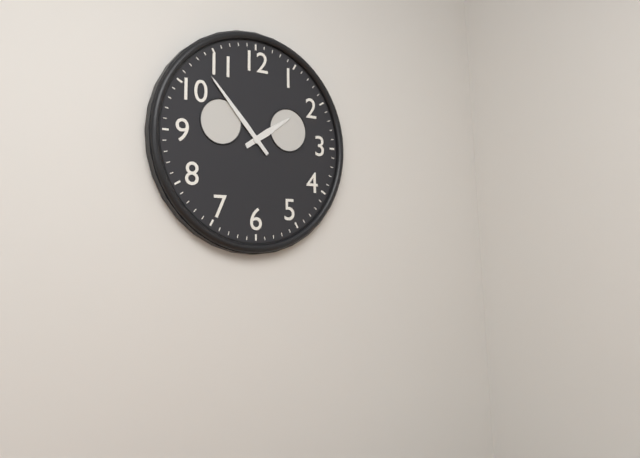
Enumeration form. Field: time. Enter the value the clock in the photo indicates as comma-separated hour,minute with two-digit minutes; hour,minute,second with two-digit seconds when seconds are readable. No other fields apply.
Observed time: 1,53
